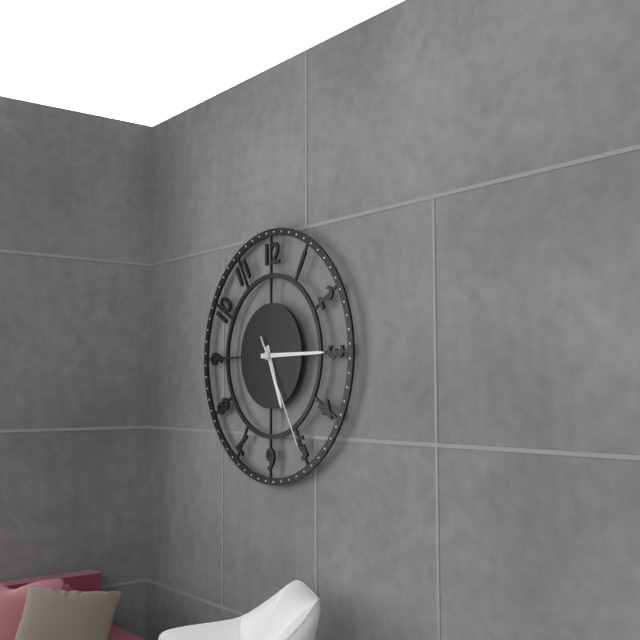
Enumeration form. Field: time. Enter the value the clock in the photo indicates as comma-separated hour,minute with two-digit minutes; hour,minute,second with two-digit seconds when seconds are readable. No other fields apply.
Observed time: 5,15,25
